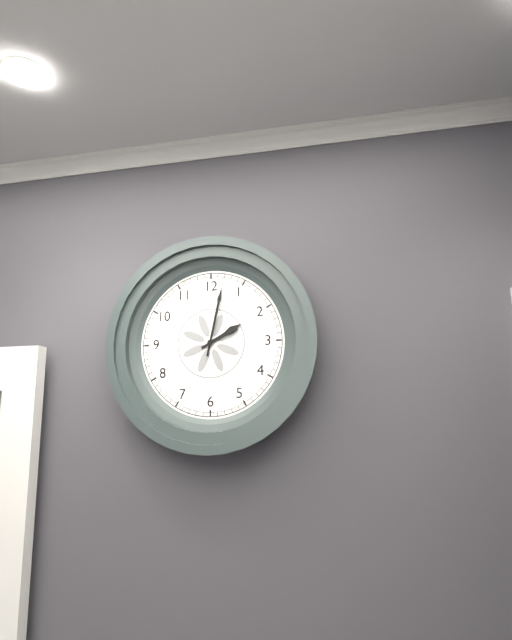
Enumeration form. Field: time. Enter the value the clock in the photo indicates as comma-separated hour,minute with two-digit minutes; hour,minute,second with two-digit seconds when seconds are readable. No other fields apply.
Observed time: 2,02
